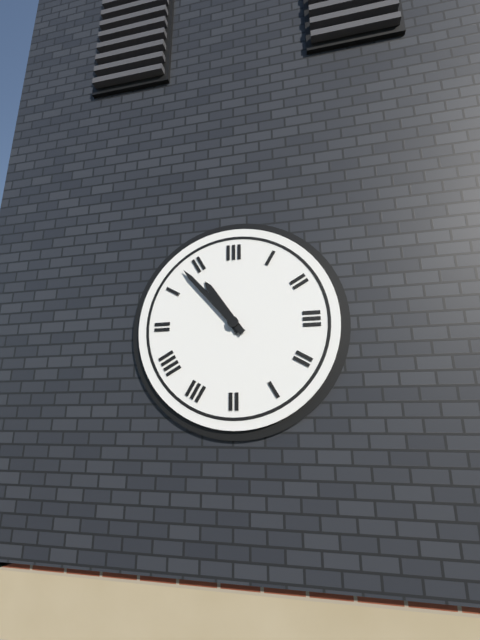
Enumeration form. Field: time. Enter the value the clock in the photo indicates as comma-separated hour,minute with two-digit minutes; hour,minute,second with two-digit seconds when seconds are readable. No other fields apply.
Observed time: 10,53
